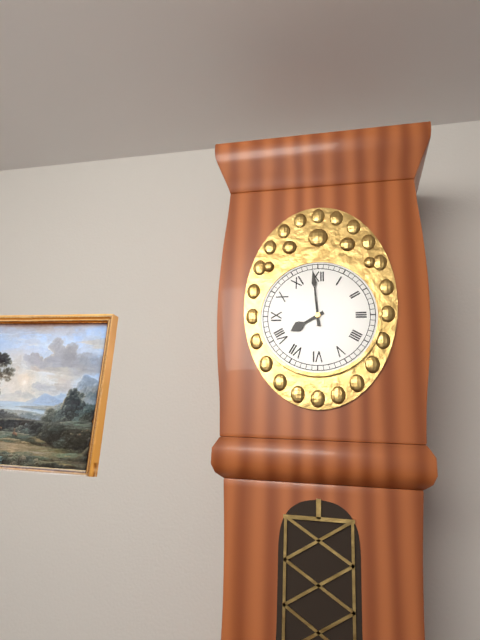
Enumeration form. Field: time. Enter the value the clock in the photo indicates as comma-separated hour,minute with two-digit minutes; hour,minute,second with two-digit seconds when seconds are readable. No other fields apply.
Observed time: 7,59
